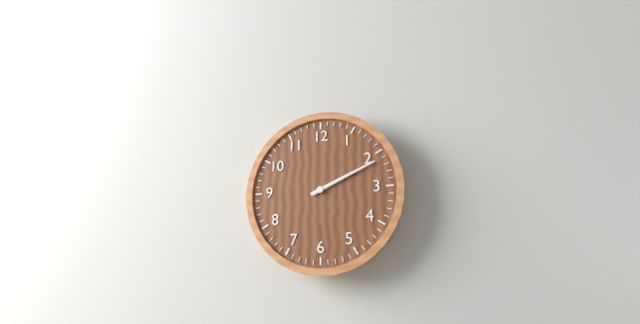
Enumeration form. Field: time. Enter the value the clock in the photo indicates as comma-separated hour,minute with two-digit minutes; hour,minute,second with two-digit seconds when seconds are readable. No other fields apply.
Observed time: 2,11
